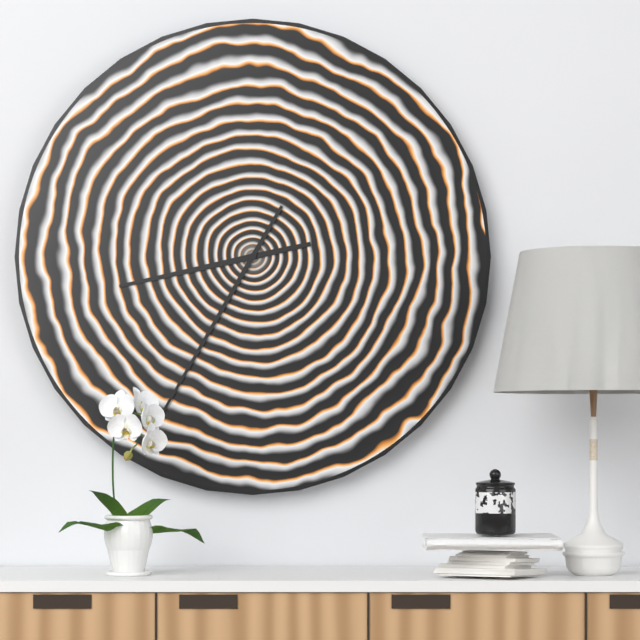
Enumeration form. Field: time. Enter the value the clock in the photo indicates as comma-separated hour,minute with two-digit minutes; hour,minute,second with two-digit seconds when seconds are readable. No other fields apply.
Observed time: 8,35
